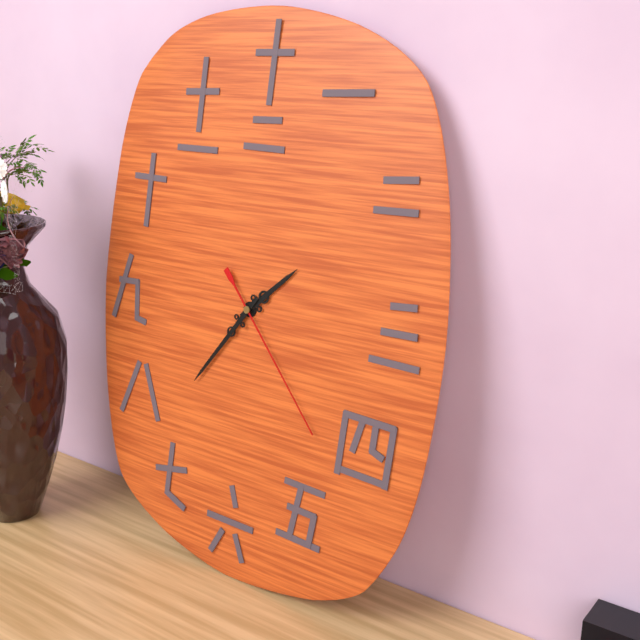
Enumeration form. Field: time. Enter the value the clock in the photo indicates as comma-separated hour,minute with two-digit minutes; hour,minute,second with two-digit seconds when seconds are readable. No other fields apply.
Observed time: 1,36,23
